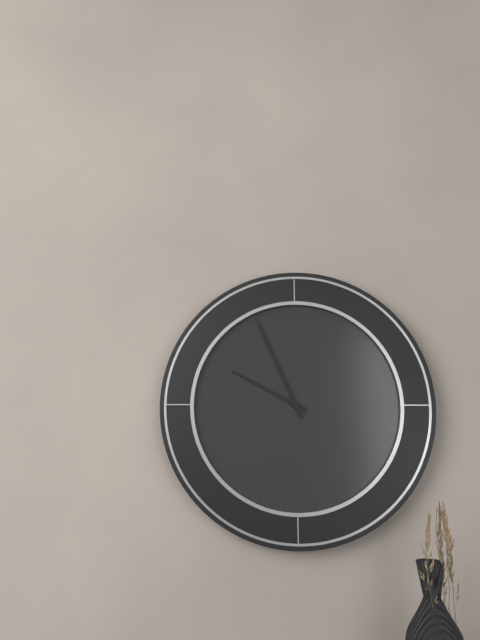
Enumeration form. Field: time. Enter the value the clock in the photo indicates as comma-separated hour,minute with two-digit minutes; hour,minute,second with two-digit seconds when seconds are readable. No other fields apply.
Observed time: 9,56
